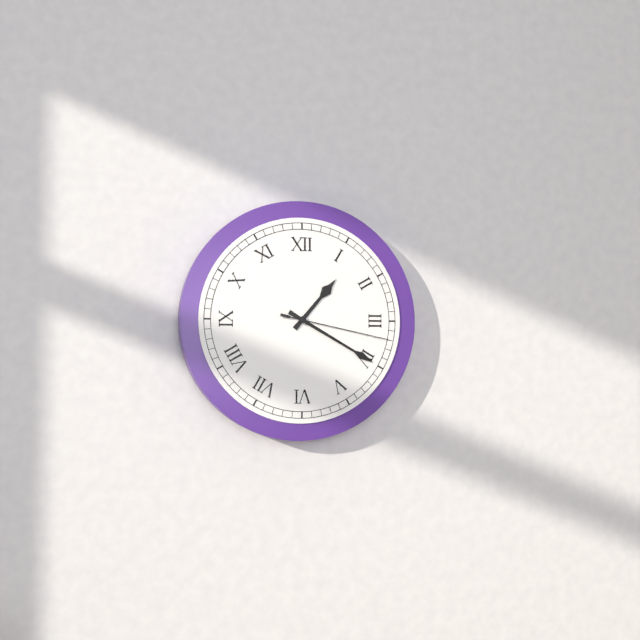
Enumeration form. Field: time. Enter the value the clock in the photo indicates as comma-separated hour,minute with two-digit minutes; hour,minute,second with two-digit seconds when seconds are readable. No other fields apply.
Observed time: 1,20,17
